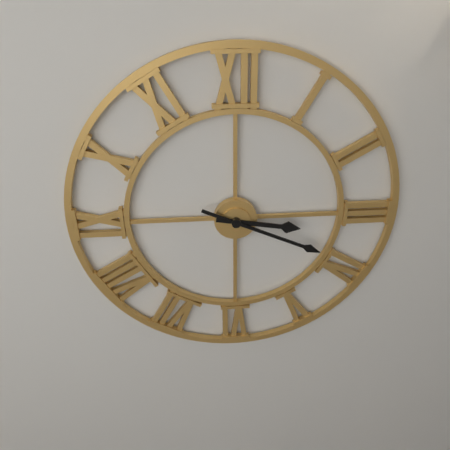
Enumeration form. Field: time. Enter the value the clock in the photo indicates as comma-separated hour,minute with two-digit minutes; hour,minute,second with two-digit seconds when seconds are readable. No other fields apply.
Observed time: 3,19
